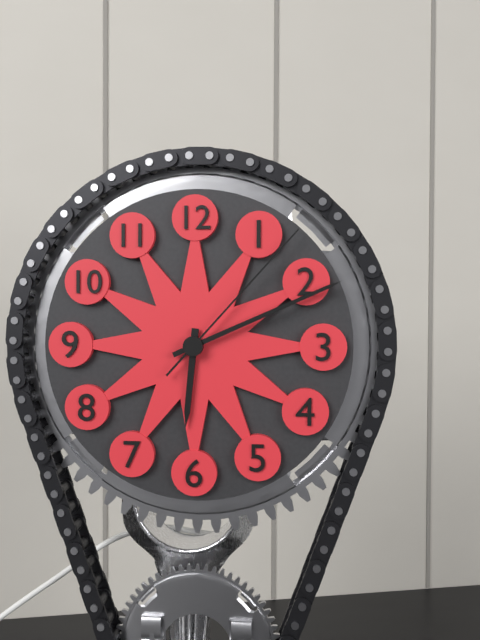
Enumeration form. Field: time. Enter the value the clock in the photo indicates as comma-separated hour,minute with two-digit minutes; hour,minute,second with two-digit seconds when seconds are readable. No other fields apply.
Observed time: 6,11,07
